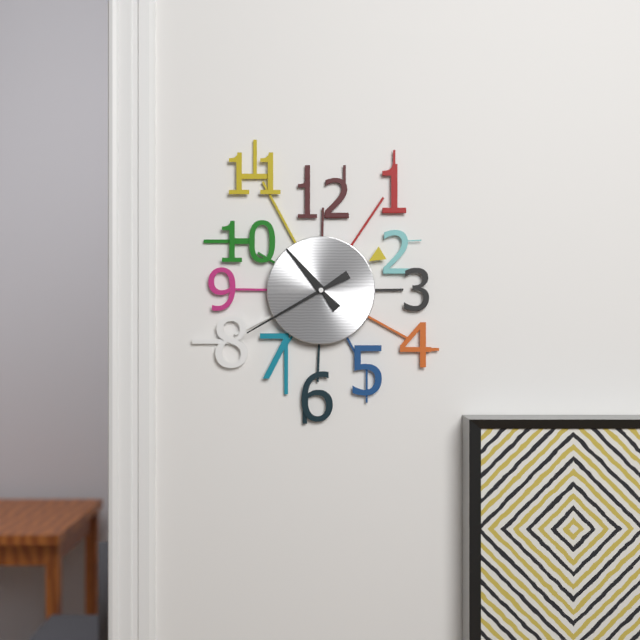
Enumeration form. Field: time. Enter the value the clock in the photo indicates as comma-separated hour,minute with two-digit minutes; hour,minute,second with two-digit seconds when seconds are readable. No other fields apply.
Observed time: 10,40
